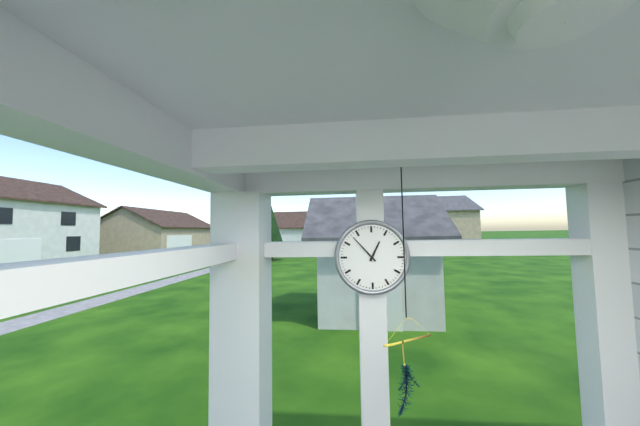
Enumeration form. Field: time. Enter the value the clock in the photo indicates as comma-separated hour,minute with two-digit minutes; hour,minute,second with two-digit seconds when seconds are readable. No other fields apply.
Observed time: 12,53
